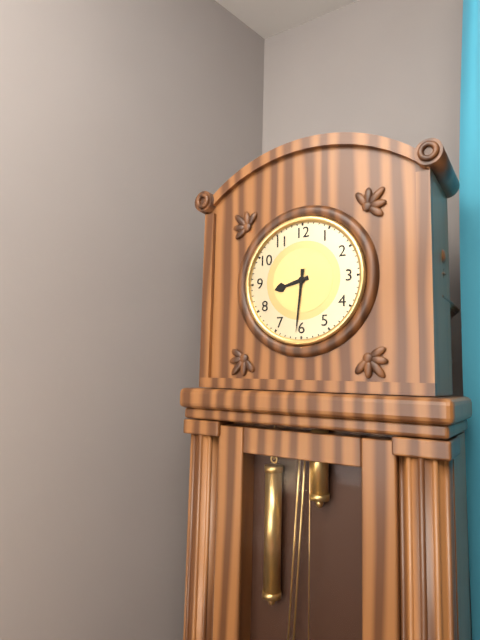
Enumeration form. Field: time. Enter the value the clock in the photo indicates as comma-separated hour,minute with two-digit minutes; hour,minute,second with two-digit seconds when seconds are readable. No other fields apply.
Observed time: 8,31
